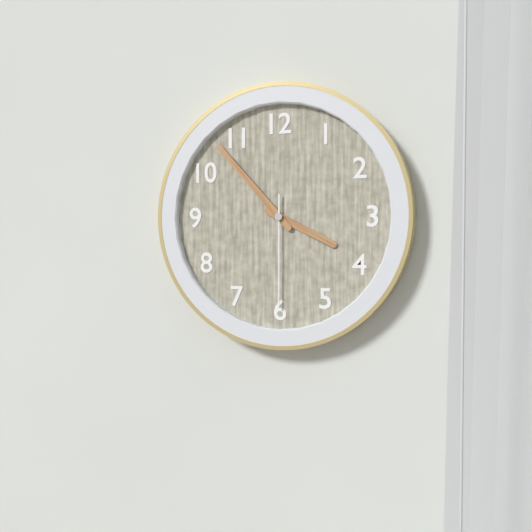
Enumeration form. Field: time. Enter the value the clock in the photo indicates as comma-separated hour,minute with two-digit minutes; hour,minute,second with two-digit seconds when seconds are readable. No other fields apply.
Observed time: 3,53,30
